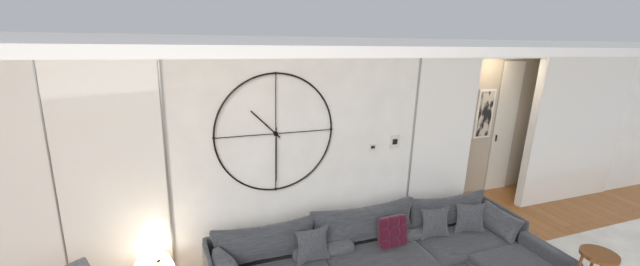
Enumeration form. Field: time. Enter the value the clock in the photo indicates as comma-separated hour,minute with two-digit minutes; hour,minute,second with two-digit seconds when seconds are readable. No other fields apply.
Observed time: 10,30
